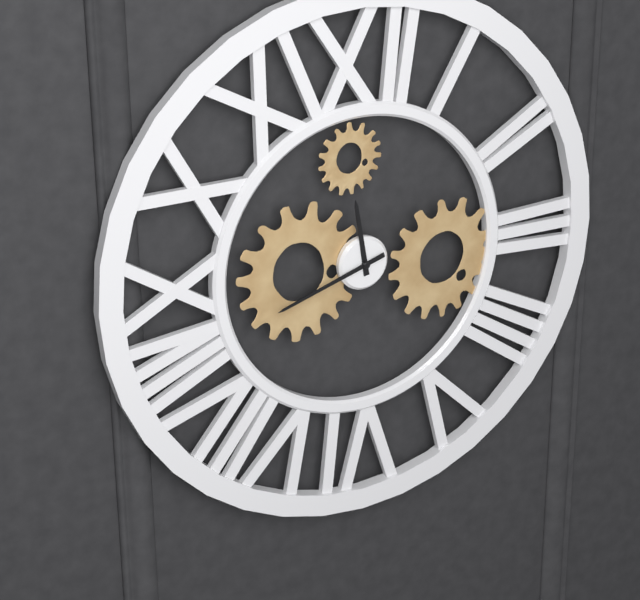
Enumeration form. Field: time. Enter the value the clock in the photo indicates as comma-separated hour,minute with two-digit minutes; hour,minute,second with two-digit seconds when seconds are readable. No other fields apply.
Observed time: 11,42
